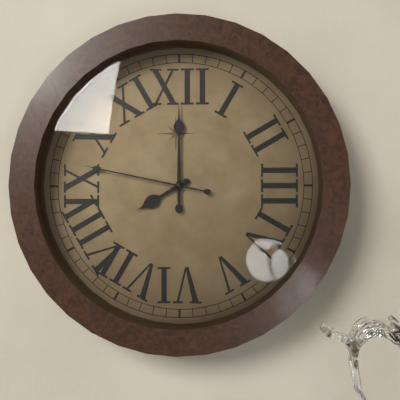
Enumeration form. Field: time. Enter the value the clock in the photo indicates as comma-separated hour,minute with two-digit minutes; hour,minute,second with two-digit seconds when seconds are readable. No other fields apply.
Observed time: 8,00,47
